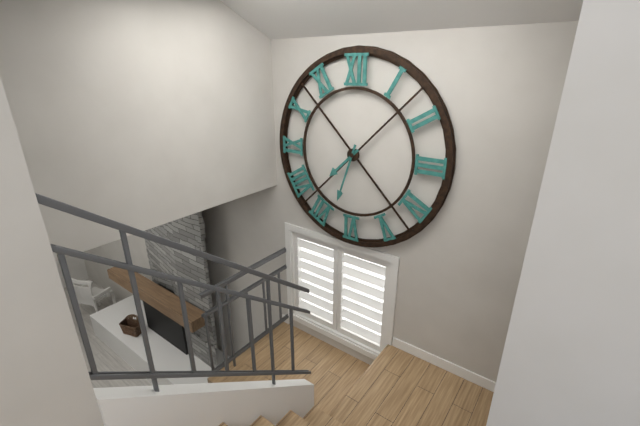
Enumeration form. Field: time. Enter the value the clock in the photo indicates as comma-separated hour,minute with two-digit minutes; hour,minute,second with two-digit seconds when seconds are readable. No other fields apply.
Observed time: 7,33
